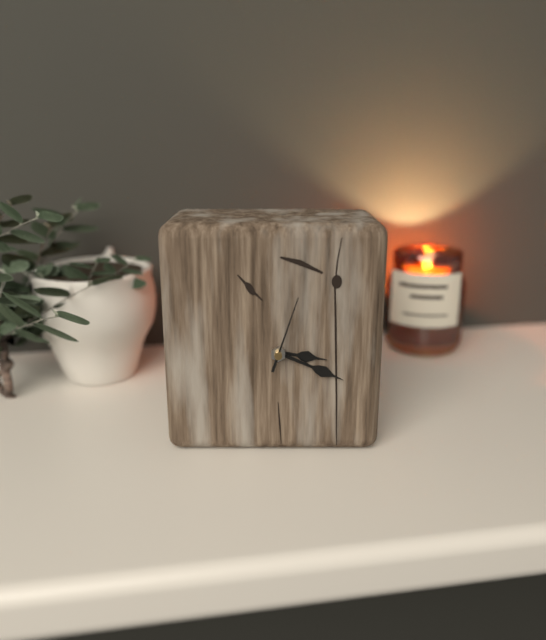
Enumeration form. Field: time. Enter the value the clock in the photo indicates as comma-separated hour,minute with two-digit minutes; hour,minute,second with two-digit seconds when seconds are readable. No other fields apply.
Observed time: 3,19,03
